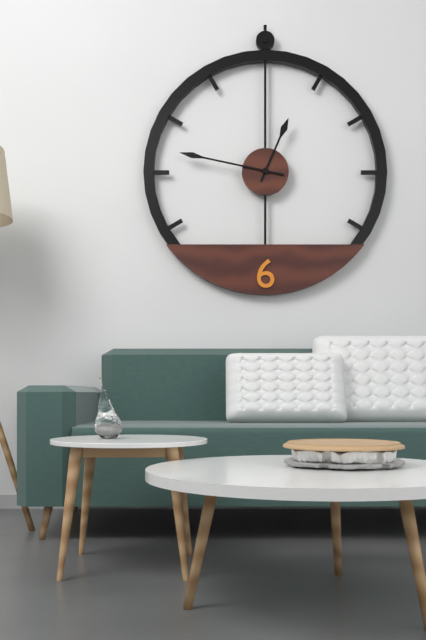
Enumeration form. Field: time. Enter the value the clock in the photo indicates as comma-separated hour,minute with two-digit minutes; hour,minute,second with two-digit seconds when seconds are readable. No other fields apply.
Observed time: 12,47
